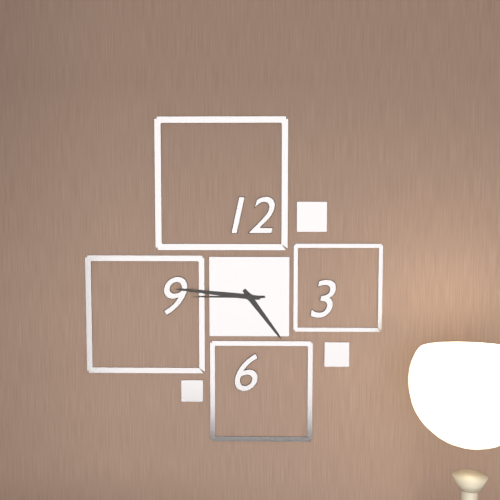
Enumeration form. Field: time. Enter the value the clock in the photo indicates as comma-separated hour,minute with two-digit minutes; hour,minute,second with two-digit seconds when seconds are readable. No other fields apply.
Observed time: 4,46,45
